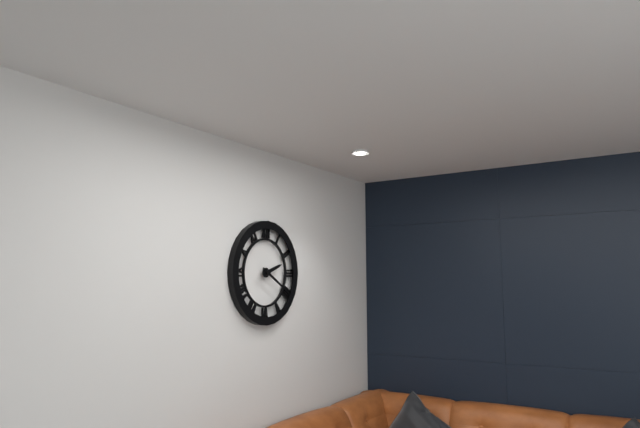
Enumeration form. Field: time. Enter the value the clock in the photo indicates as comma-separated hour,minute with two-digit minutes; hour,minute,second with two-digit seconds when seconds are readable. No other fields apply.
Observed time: 2,20
